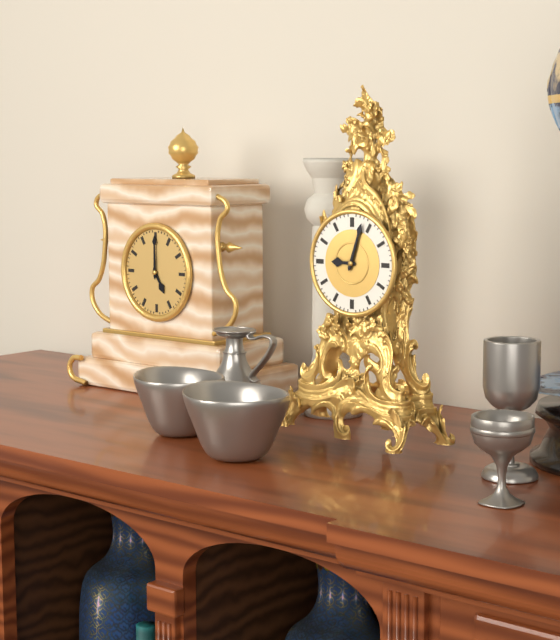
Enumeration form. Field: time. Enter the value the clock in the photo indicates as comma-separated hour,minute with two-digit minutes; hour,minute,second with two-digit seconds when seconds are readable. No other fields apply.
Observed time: 9,03
